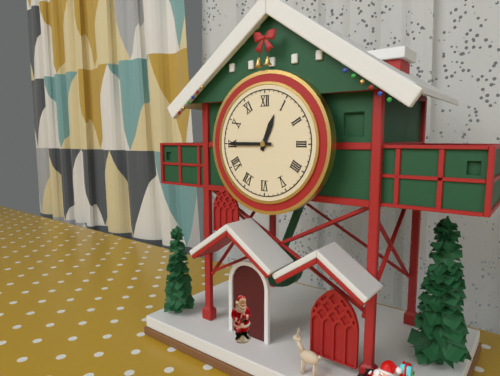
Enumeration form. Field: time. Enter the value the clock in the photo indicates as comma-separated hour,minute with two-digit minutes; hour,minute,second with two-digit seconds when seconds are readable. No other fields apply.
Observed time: 12,45
